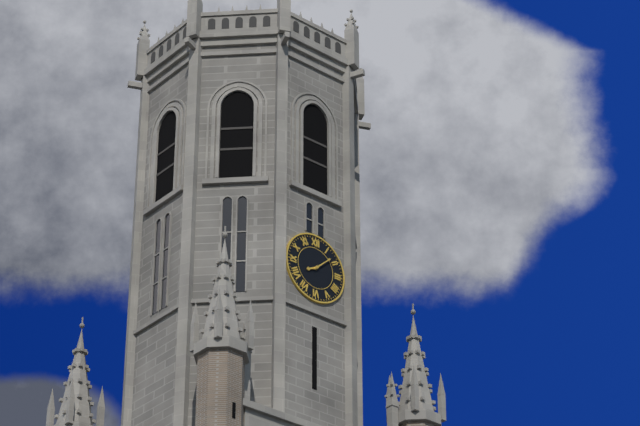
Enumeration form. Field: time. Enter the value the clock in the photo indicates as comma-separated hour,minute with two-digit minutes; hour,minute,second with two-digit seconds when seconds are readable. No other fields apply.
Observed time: 8,08
